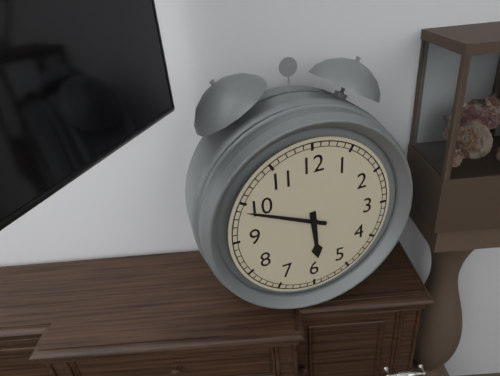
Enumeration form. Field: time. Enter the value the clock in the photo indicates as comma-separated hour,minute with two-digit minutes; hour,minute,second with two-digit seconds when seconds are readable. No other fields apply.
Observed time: 5,49
